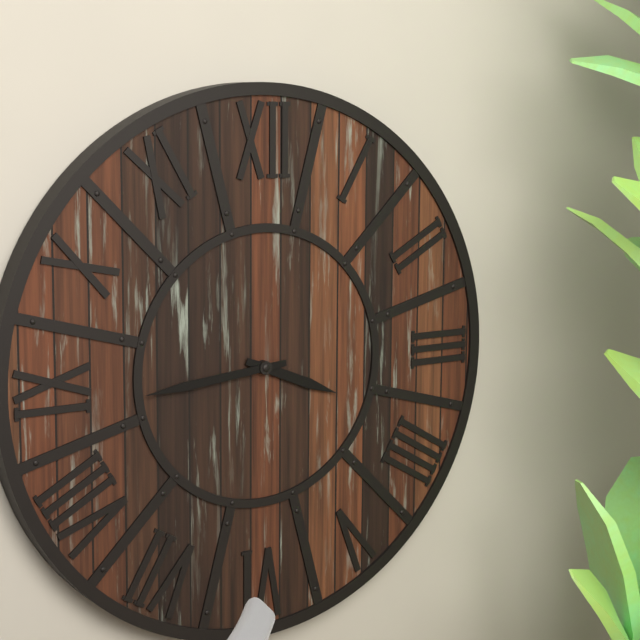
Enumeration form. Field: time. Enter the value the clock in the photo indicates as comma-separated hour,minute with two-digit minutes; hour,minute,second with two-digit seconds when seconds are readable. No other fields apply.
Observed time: 3,44
